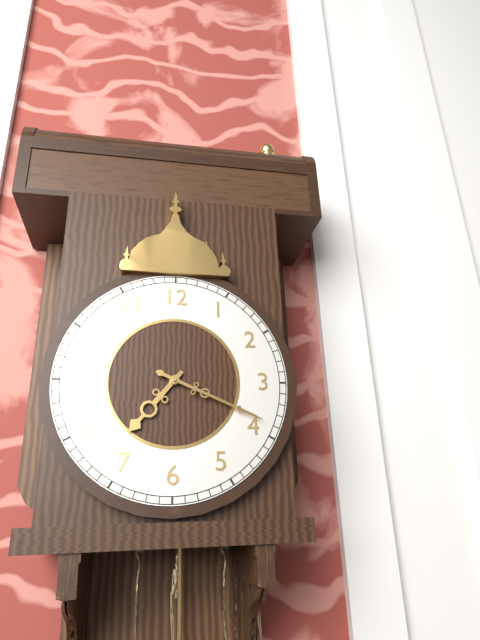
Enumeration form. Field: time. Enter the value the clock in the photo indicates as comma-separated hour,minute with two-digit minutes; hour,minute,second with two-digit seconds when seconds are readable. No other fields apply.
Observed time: 7,19
